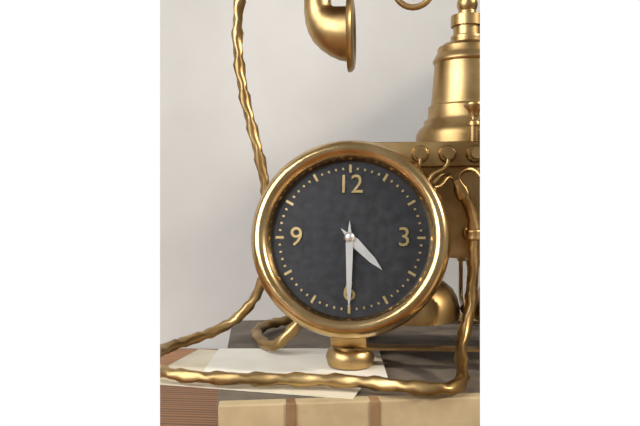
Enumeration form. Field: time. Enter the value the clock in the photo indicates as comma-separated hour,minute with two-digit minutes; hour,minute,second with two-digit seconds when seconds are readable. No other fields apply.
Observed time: 4,30
